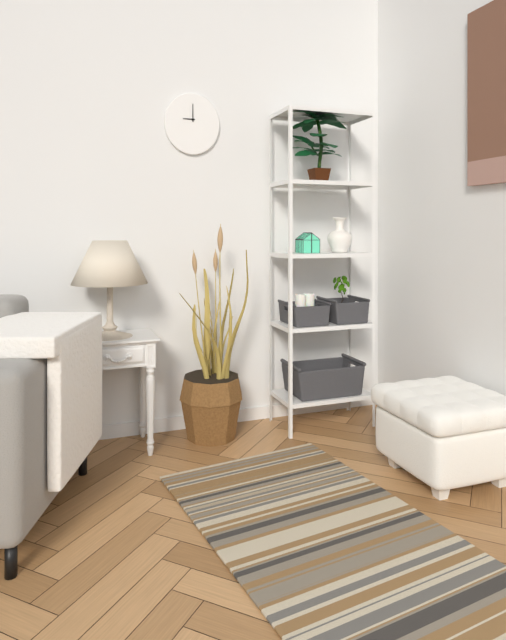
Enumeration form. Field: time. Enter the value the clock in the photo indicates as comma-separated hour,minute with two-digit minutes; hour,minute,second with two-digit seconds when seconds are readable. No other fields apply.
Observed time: 9,00
